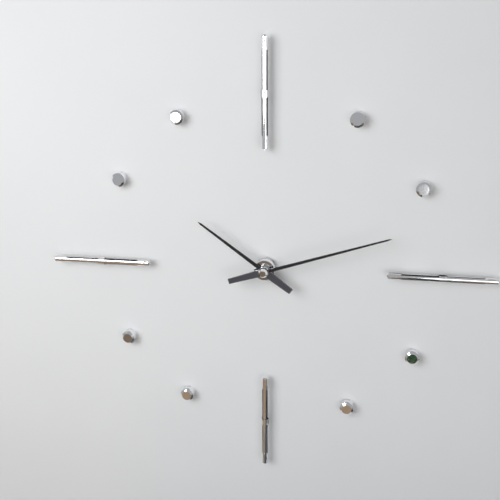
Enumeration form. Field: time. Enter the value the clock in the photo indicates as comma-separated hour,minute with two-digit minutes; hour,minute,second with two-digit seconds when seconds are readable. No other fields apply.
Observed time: 10,12
